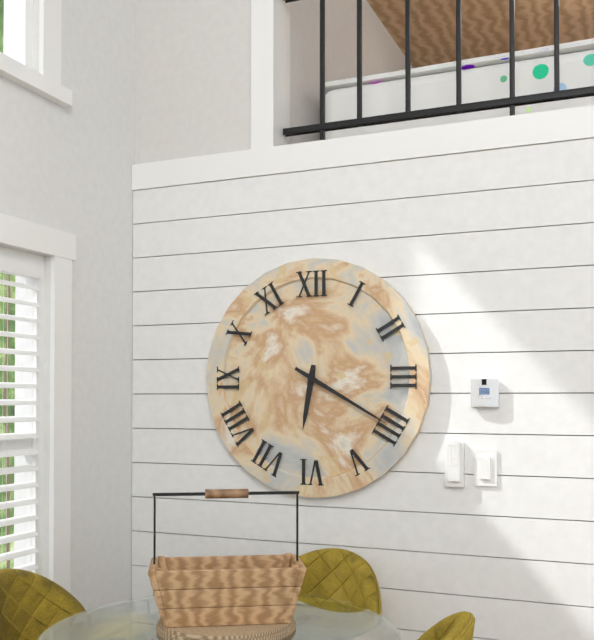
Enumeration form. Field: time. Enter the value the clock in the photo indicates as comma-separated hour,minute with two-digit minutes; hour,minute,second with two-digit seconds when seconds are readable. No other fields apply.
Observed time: 6,20
